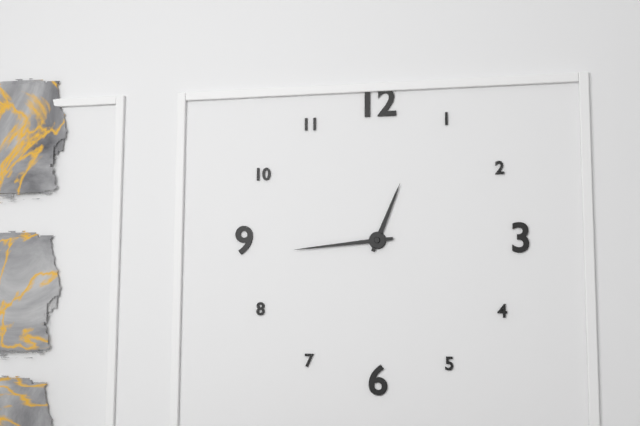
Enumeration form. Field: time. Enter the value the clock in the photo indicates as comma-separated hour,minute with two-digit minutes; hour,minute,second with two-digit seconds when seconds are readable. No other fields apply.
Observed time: 12,44
